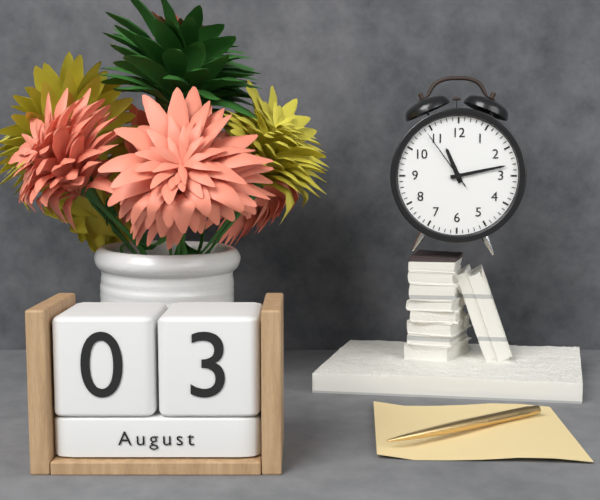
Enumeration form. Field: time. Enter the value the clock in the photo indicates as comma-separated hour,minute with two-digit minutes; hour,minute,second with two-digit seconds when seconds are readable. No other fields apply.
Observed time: 11,13,54
